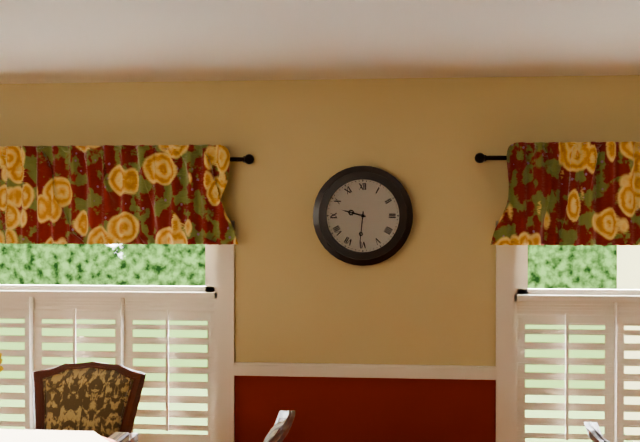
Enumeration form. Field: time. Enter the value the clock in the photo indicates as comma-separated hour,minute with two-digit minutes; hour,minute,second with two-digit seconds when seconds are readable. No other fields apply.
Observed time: 9,31
